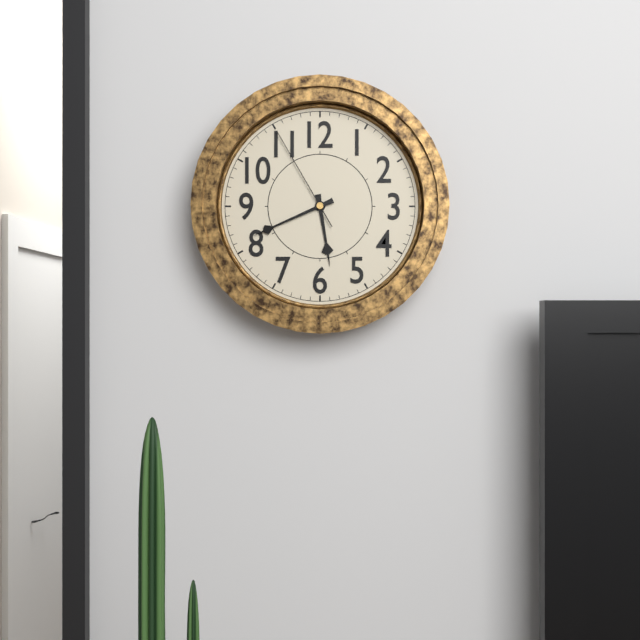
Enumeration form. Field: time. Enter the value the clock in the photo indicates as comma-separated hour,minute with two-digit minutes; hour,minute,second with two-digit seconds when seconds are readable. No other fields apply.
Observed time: 5,41,55
